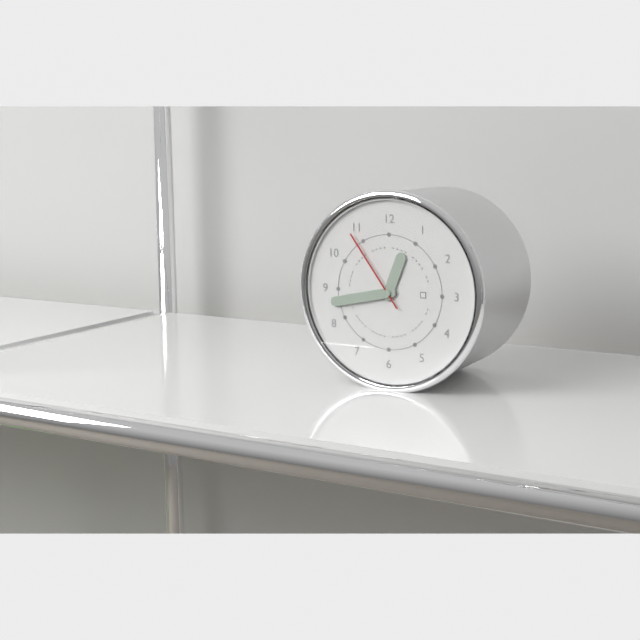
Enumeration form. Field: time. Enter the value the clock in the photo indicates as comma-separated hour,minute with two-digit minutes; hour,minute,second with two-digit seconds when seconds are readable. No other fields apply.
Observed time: 12,43,54
